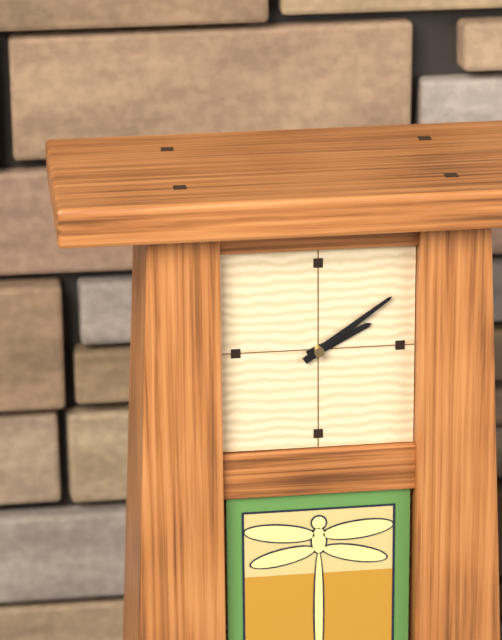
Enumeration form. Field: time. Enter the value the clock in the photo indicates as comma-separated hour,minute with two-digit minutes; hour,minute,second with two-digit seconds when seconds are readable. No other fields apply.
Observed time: 2,09
